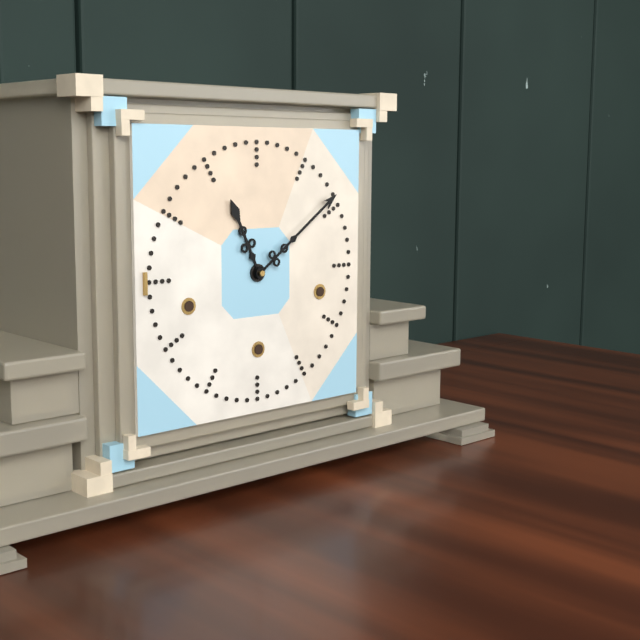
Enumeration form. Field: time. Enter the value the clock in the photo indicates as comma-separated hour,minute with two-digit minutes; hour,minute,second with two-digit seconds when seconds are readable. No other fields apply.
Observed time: 11,09
